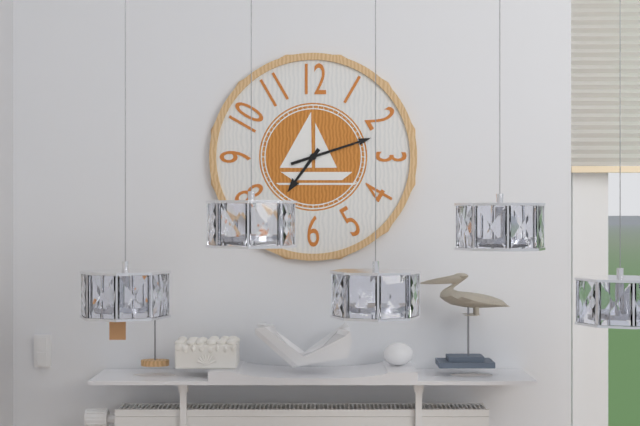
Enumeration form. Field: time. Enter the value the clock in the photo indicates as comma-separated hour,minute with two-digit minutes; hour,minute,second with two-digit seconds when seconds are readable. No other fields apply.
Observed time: 7,12
